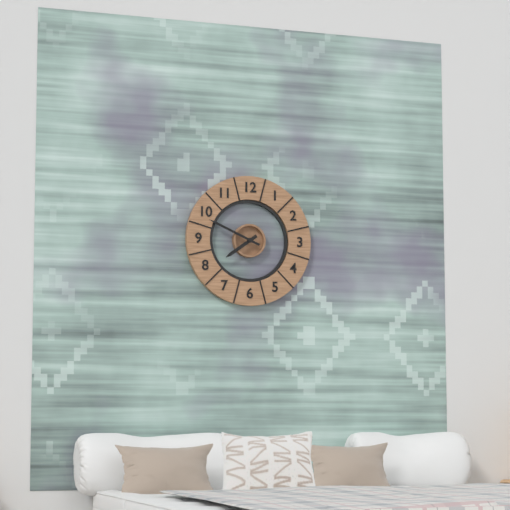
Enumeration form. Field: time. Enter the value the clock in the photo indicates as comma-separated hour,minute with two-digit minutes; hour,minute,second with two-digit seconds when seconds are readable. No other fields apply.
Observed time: 7,49
